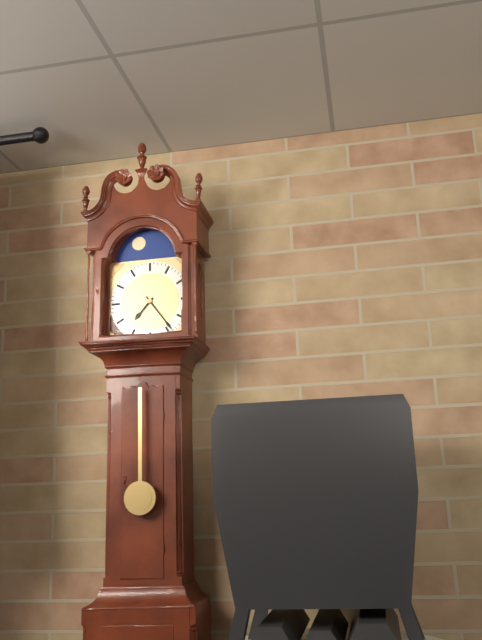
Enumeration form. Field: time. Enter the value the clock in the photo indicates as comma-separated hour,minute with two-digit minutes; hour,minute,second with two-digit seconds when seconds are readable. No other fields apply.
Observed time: 7,24
